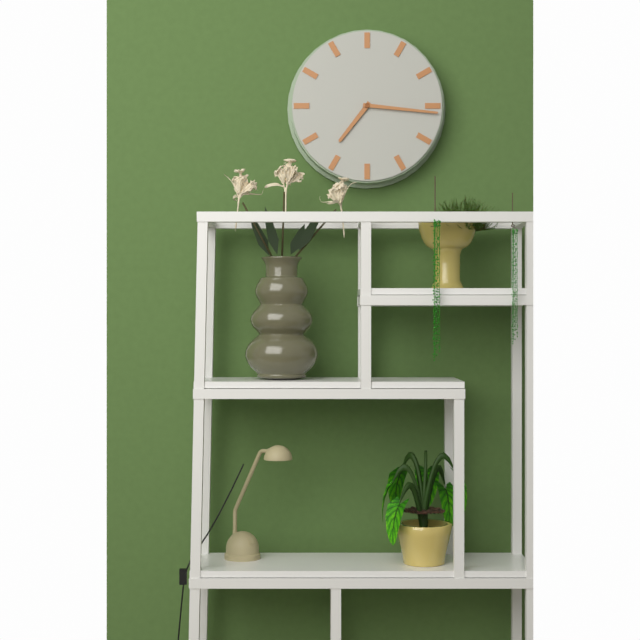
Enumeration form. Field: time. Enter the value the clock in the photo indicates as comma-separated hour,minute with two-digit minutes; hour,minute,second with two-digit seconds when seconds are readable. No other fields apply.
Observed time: 7,16
